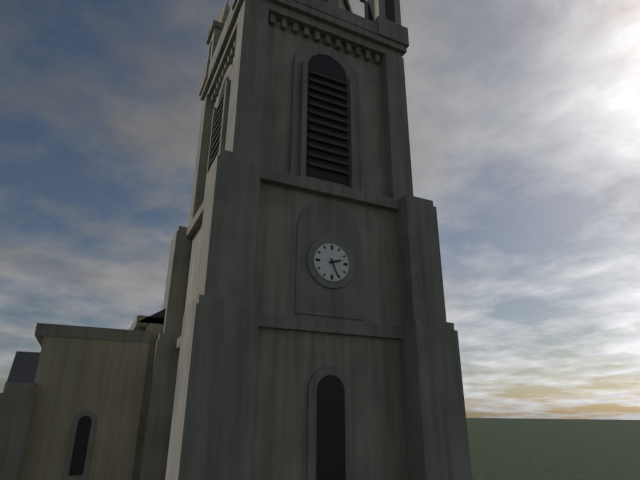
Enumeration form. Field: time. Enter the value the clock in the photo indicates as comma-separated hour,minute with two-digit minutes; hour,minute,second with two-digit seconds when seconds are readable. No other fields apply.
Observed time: 2,26
